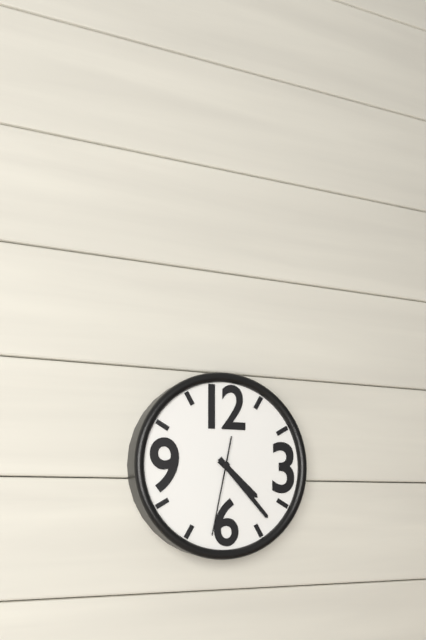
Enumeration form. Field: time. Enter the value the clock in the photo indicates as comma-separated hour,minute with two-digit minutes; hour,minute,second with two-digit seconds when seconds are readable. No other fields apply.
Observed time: 4,23,32
